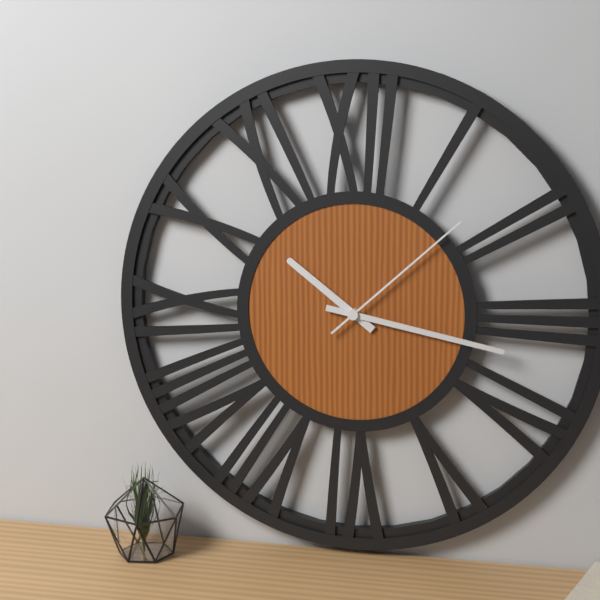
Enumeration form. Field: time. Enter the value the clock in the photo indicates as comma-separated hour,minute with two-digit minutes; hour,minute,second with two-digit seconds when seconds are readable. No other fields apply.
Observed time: 10,17,08
